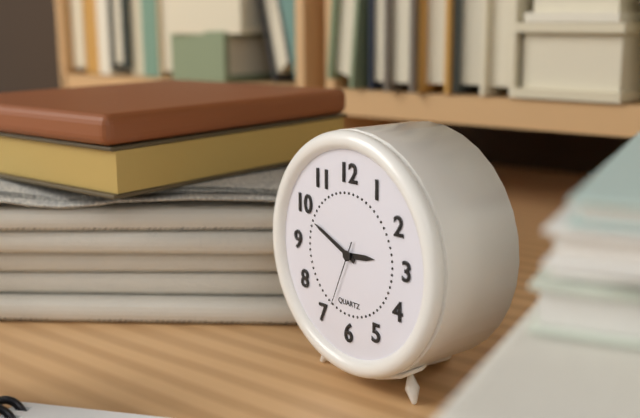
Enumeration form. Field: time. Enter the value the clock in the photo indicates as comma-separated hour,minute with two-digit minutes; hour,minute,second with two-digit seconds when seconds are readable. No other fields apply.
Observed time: 2,49,34
